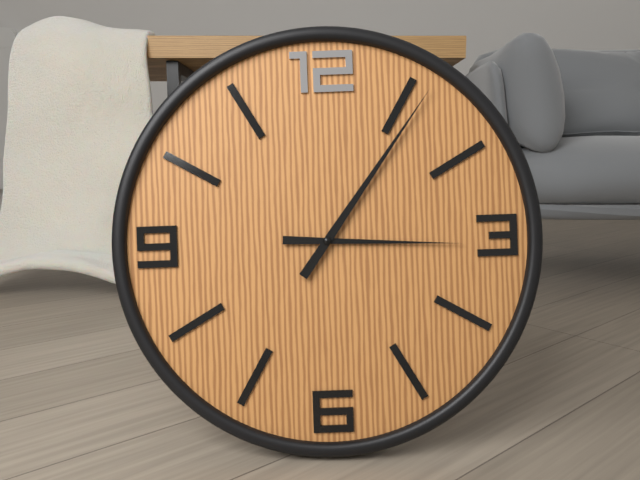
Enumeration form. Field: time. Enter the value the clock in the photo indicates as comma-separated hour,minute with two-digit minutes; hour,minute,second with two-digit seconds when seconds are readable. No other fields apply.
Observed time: 3,06
